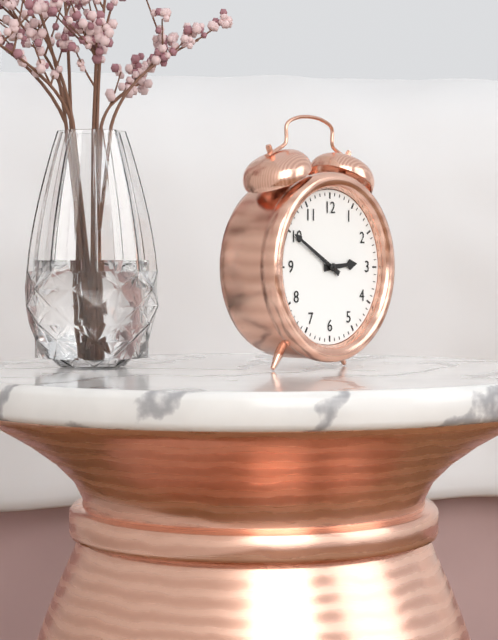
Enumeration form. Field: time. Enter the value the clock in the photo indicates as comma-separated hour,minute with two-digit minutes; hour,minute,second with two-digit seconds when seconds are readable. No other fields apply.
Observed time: 2,50
